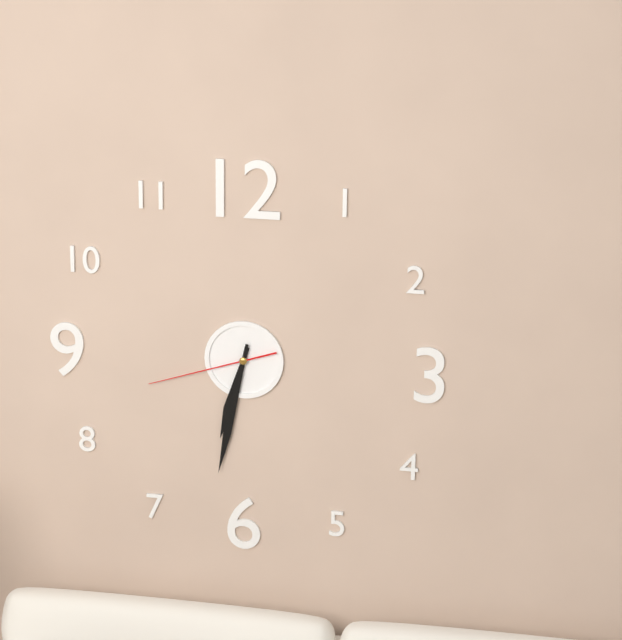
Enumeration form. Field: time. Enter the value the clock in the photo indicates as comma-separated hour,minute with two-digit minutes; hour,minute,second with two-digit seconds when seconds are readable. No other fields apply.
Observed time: 6,32,42
